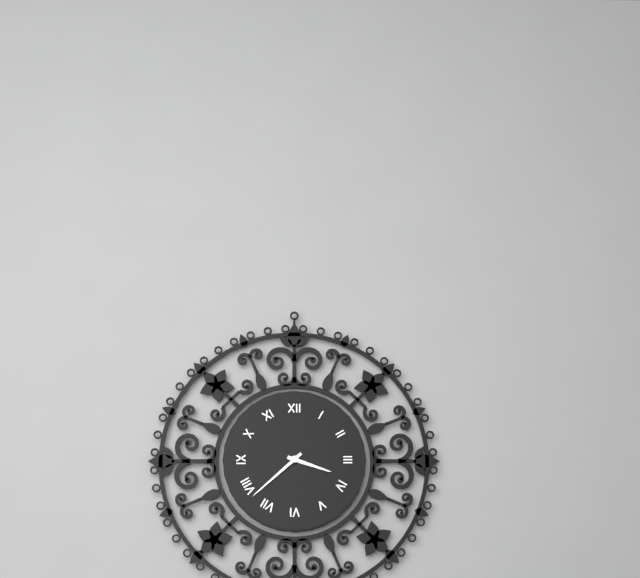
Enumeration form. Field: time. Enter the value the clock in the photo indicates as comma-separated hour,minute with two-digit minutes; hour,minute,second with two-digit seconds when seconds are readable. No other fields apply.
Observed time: 3,38
